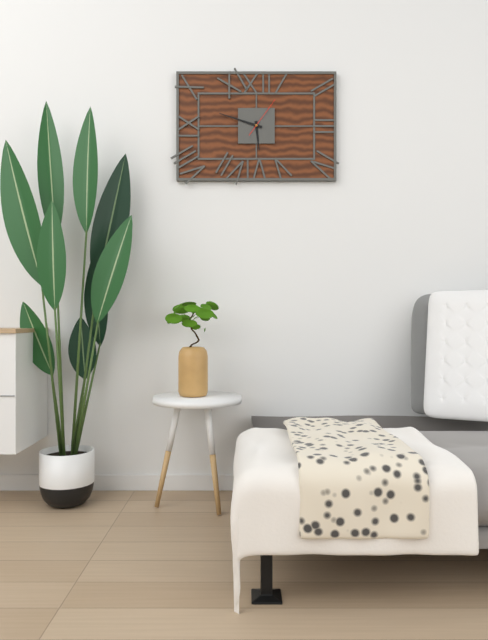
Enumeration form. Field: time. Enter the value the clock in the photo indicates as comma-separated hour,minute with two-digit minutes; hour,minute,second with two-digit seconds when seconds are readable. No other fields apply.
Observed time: 5,48
